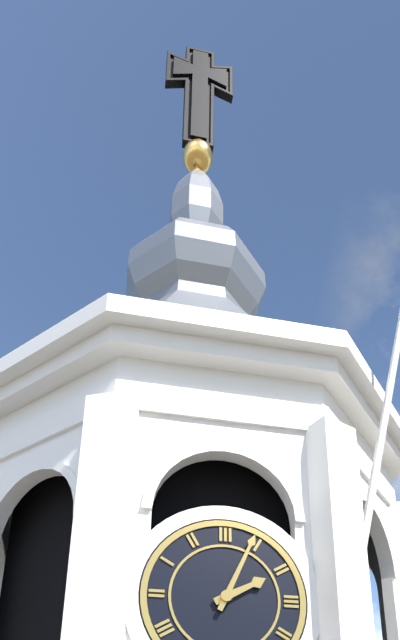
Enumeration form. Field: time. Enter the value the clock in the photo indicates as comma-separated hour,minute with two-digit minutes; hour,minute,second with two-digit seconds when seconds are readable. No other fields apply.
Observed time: 2,04
